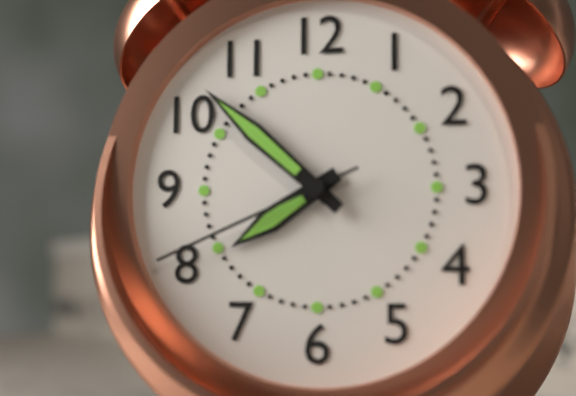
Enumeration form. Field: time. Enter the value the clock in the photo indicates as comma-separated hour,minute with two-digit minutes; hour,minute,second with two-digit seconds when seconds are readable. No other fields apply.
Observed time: 7,52,41
